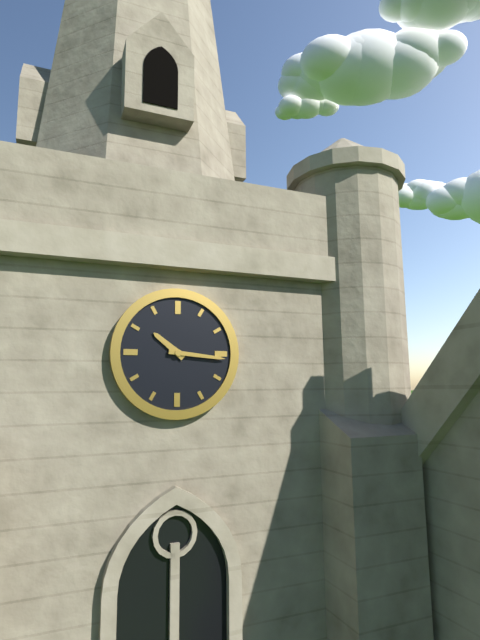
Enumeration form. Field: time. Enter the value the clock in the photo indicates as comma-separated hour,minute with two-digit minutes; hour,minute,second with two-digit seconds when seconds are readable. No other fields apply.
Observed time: 10,16
